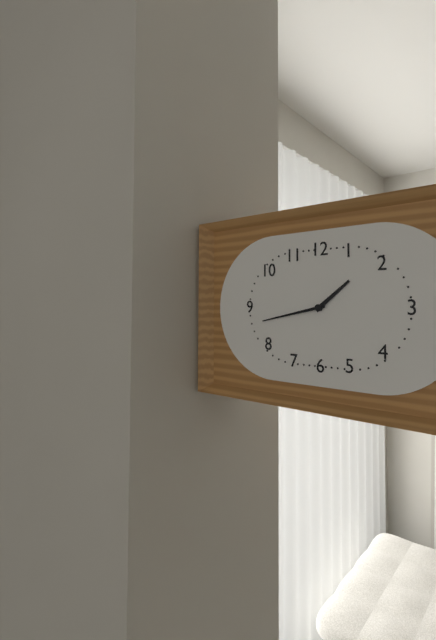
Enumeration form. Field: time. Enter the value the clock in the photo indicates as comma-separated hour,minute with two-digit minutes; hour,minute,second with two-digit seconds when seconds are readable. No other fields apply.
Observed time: 1,43
